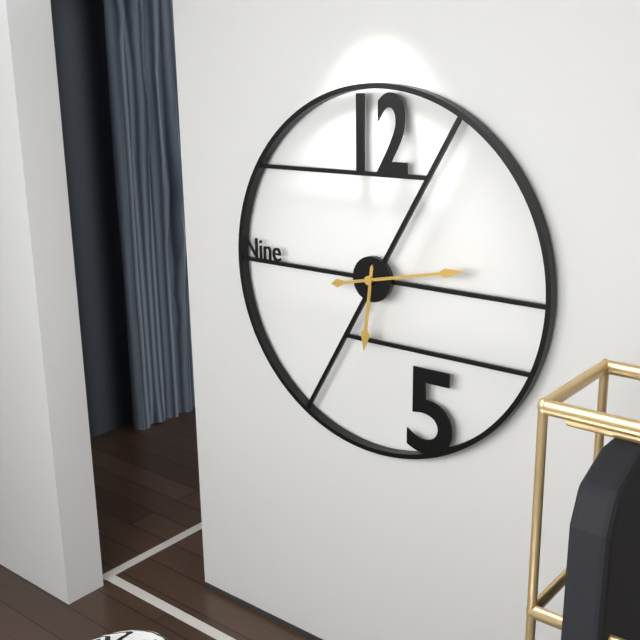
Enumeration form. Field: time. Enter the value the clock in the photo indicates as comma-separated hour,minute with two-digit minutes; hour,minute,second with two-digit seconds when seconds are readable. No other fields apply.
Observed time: 6,13
